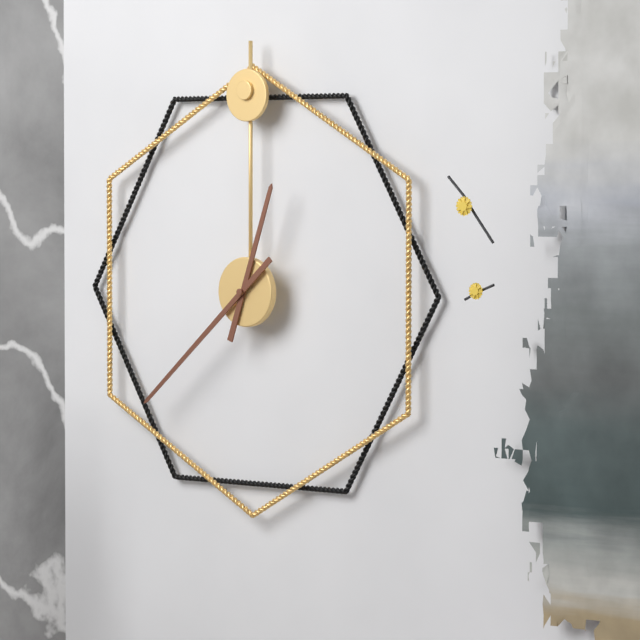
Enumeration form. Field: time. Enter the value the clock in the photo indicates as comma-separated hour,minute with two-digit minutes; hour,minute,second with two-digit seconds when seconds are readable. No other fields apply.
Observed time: 12,38
